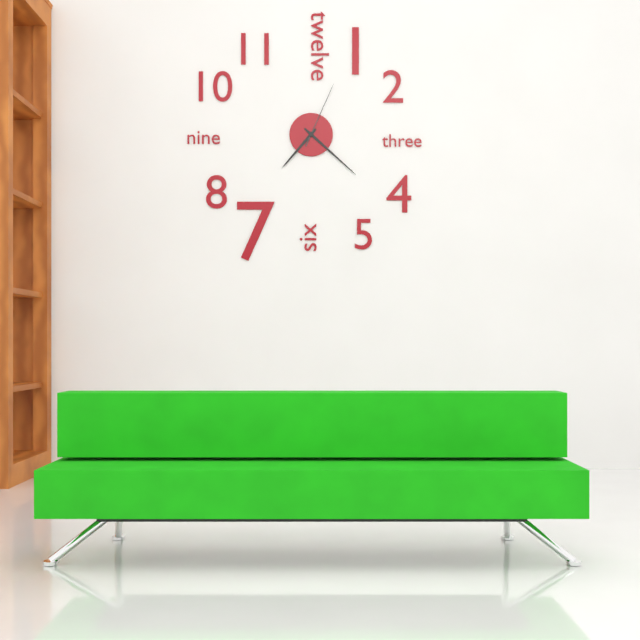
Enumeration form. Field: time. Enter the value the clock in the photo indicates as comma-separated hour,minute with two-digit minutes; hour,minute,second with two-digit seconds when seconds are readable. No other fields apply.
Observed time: 7,22,04
